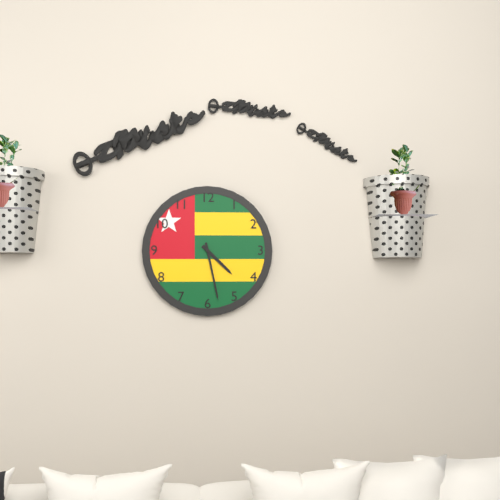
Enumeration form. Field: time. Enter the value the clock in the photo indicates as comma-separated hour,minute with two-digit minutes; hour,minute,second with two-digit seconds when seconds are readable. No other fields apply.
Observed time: 4,28
